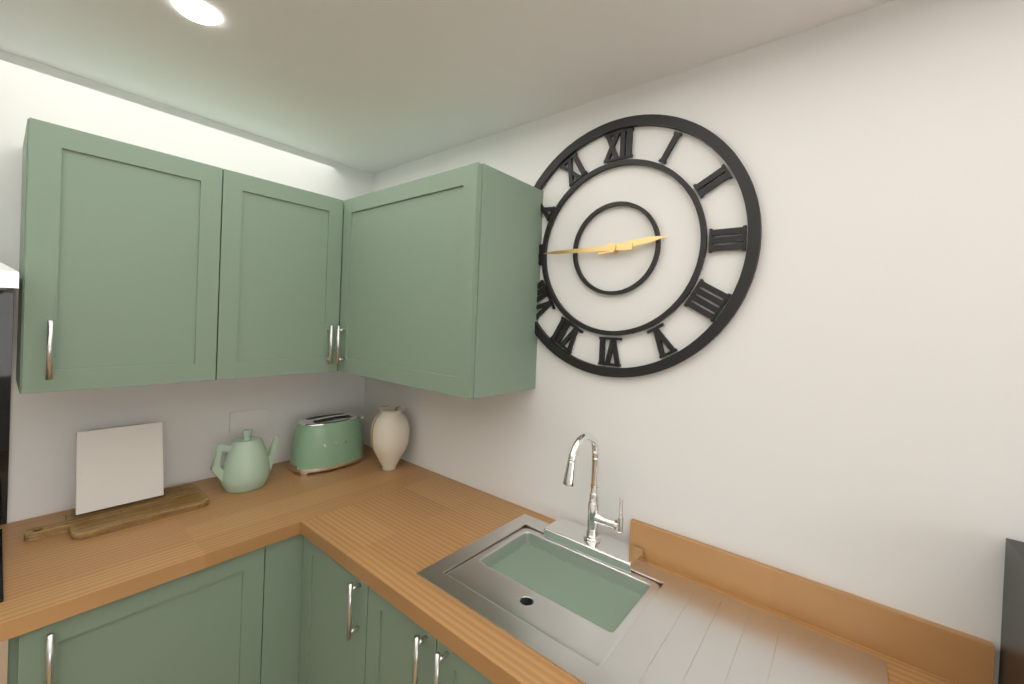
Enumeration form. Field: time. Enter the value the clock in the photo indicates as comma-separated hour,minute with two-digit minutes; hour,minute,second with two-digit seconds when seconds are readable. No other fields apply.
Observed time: 2,45
